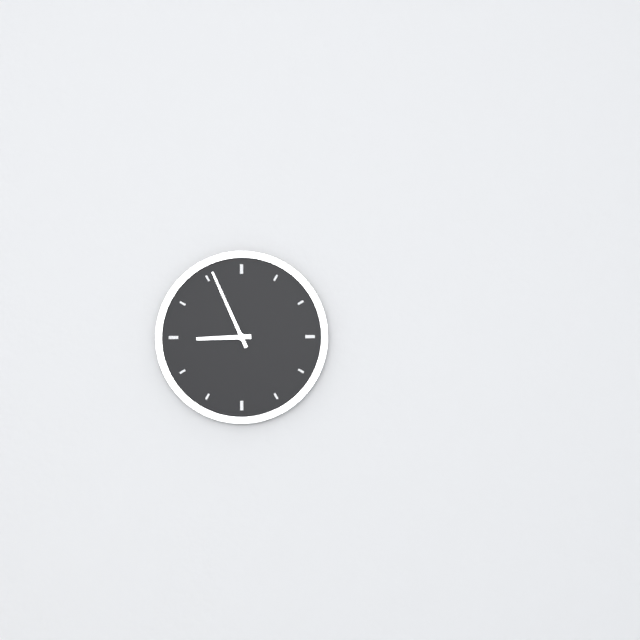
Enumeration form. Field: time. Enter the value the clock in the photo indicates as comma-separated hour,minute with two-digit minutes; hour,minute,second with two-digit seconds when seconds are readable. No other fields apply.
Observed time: 8,56
